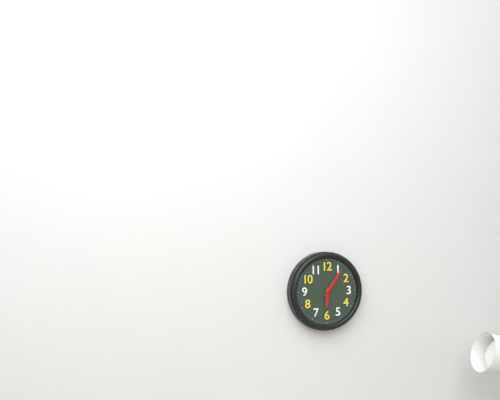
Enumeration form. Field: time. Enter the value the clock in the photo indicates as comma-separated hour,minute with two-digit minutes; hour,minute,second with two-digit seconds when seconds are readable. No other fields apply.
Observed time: 6,06
